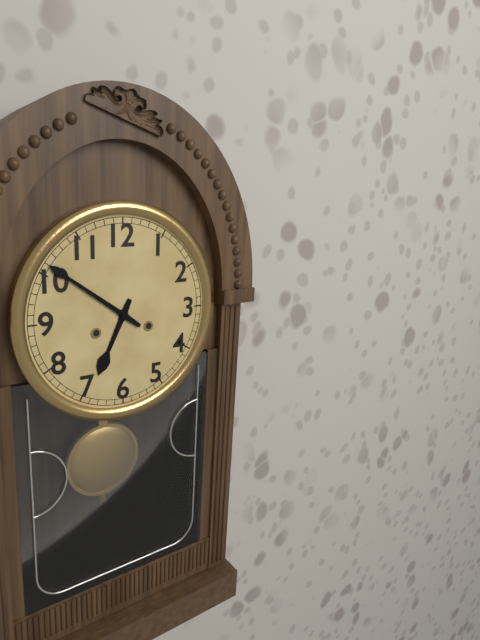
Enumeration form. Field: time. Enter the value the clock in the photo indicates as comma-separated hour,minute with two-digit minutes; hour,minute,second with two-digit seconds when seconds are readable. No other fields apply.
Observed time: 6,51
